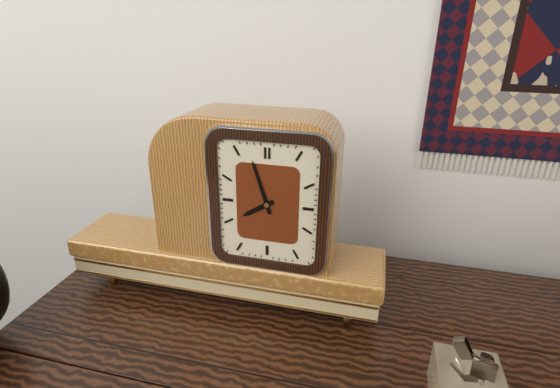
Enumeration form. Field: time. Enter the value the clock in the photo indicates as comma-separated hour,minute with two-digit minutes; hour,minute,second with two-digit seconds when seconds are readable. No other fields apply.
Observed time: 7,57
